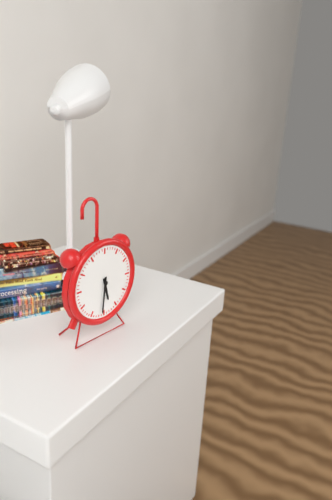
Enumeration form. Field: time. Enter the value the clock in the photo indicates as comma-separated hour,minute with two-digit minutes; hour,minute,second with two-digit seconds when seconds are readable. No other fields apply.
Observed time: 5,31
